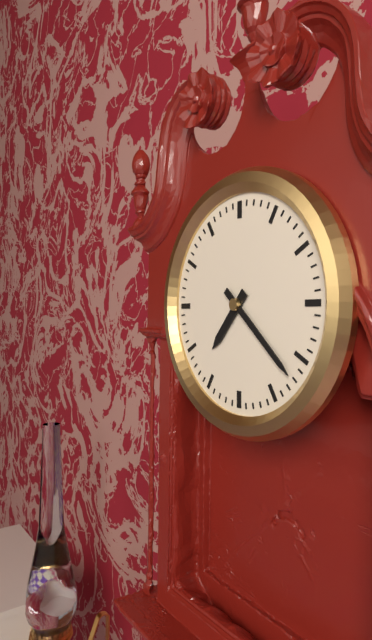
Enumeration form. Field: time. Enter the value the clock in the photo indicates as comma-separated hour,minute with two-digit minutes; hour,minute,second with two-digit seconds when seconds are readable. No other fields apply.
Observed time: 7,22
